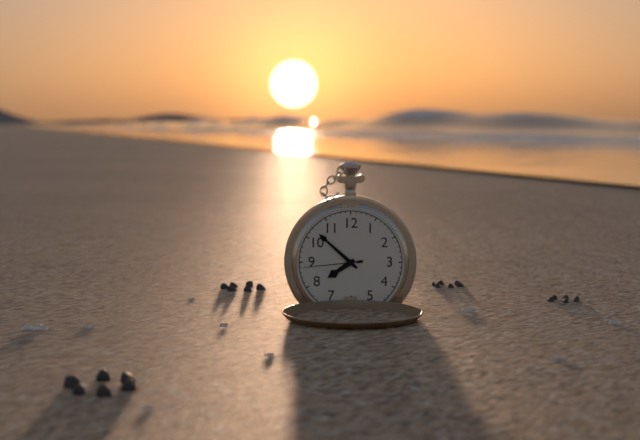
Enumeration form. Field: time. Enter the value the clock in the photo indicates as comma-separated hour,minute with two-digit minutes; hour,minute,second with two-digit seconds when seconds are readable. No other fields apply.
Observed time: 7,52,44
